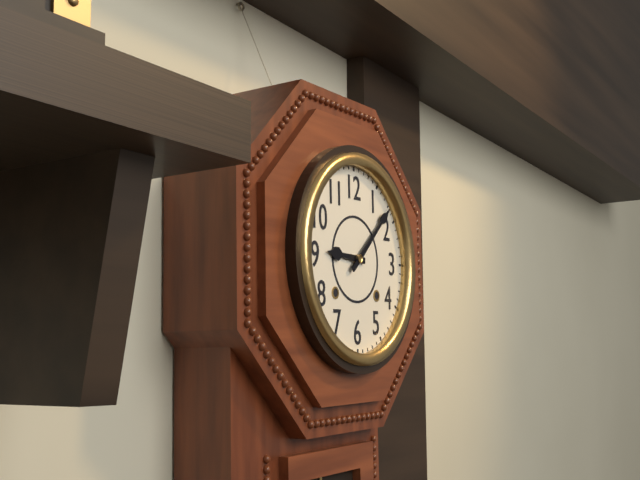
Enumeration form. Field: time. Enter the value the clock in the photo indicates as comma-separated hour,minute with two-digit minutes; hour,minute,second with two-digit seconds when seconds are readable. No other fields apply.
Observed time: 9,08
